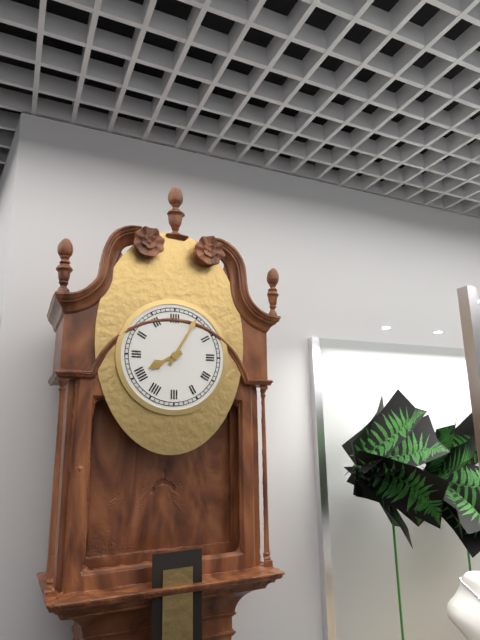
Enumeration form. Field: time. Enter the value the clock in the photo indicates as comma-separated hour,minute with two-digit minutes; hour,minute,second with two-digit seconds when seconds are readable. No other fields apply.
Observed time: 8,05
